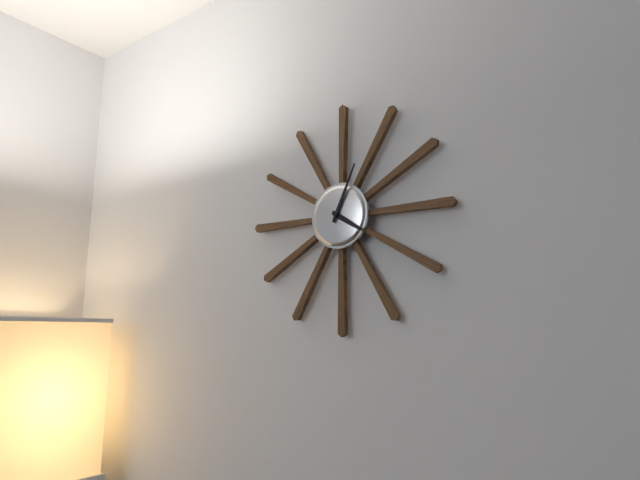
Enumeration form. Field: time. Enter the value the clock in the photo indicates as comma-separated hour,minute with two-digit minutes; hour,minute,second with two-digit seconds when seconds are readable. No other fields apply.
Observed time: 4,04
